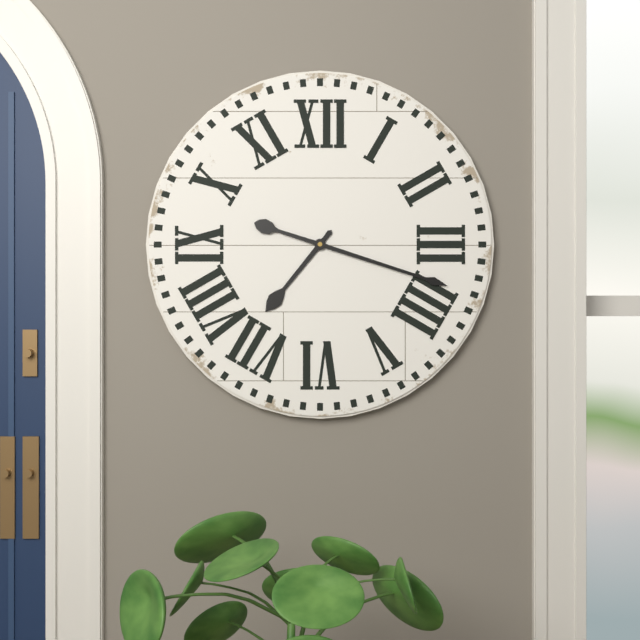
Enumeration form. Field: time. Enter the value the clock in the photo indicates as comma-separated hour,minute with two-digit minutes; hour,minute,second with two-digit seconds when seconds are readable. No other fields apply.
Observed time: 7,18
